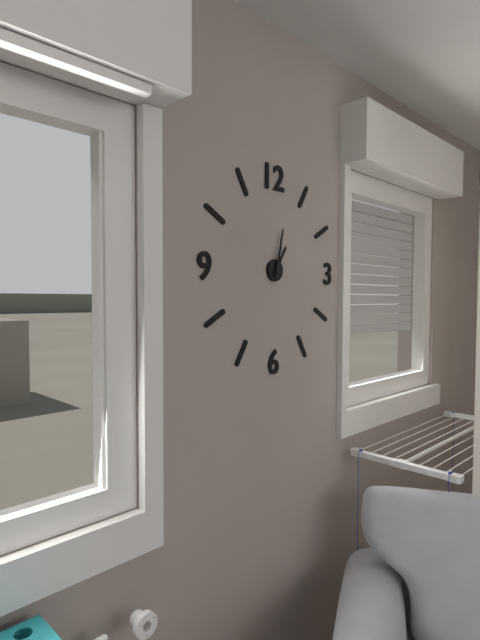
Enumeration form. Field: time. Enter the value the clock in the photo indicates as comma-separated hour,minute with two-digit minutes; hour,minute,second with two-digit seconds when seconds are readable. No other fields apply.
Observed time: 1,02
